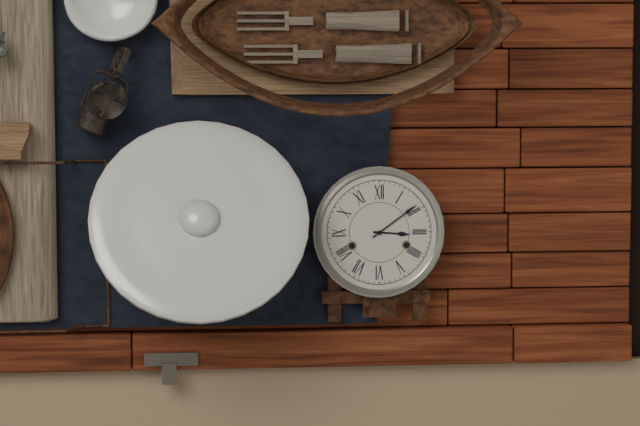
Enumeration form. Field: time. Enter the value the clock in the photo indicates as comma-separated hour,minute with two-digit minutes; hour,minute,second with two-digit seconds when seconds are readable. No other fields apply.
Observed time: 3,09
